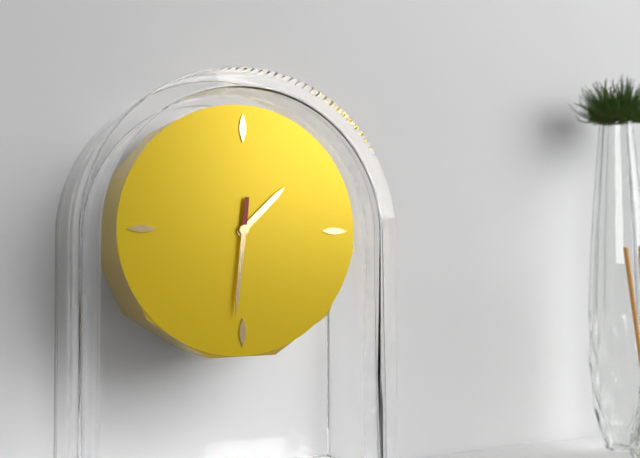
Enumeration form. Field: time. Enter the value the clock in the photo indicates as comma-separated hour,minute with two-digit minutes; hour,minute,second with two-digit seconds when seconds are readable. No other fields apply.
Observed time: 1,31
